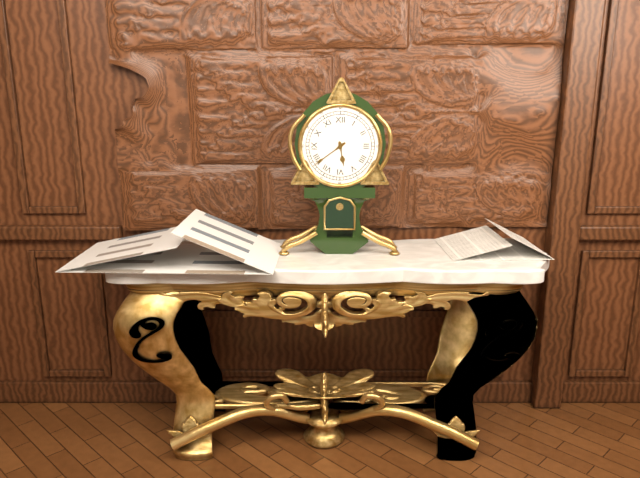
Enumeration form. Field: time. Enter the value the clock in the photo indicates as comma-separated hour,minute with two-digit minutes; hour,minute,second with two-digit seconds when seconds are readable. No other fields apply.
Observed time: 5,39
